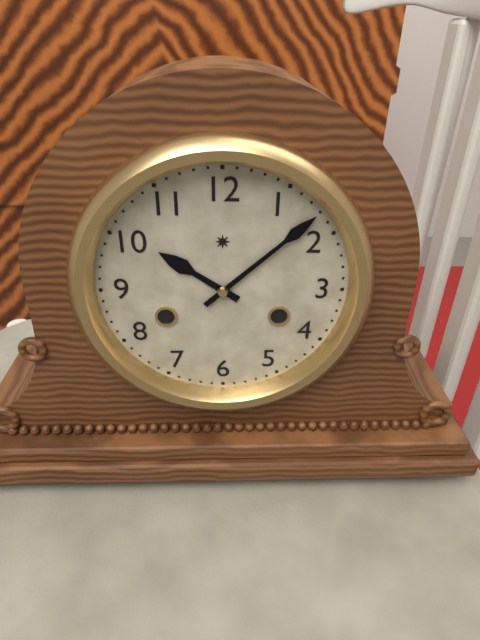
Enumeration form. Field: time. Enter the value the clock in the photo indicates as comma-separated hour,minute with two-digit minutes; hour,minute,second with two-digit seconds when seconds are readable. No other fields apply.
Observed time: 10,08
